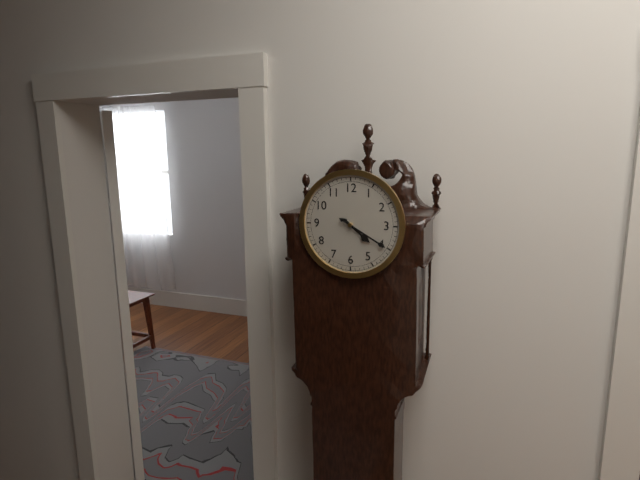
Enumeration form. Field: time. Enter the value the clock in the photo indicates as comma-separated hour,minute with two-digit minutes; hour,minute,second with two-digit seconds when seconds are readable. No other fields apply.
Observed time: 4,20
